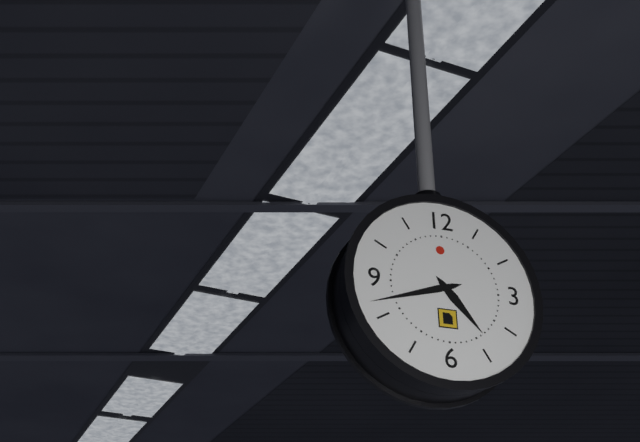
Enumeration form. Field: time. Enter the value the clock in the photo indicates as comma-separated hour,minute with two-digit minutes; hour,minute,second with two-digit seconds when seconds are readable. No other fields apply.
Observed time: 4,42
